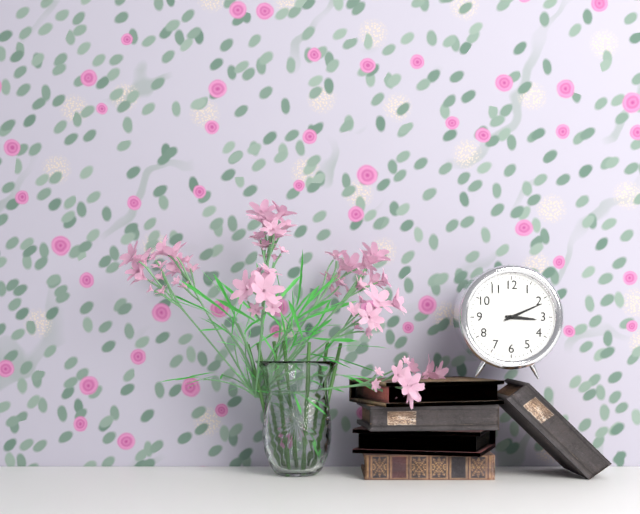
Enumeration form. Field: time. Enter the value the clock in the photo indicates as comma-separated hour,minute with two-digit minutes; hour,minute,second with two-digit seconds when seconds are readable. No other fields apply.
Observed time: 3,11
